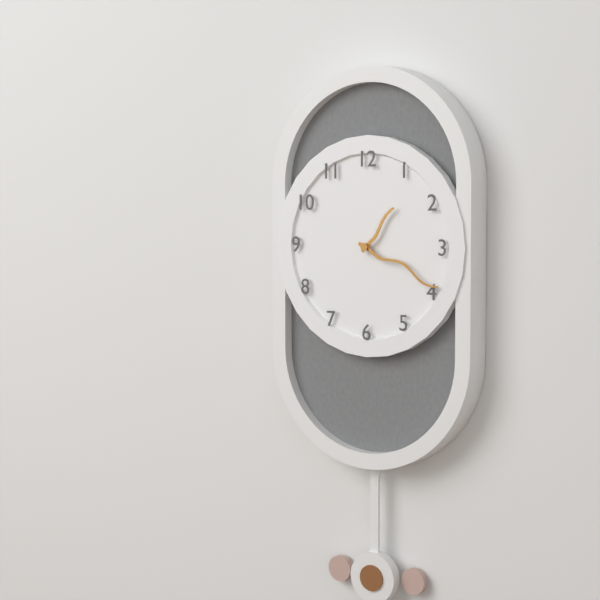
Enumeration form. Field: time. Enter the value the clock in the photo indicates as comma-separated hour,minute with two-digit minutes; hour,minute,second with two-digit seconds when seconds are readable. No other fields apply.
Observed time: 1,19
